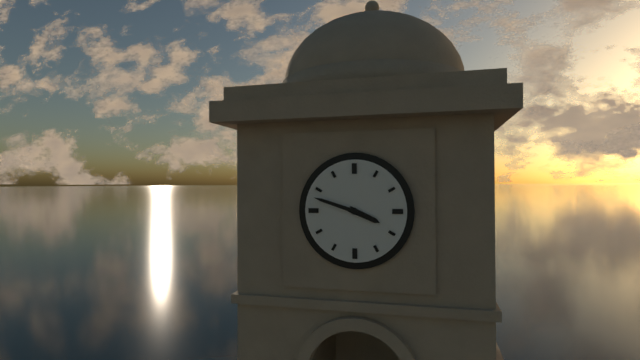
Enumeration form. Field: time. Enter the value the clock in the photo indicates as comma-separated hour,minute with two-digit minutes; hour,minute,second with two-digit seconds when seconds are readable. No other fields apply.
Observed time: 3,48
